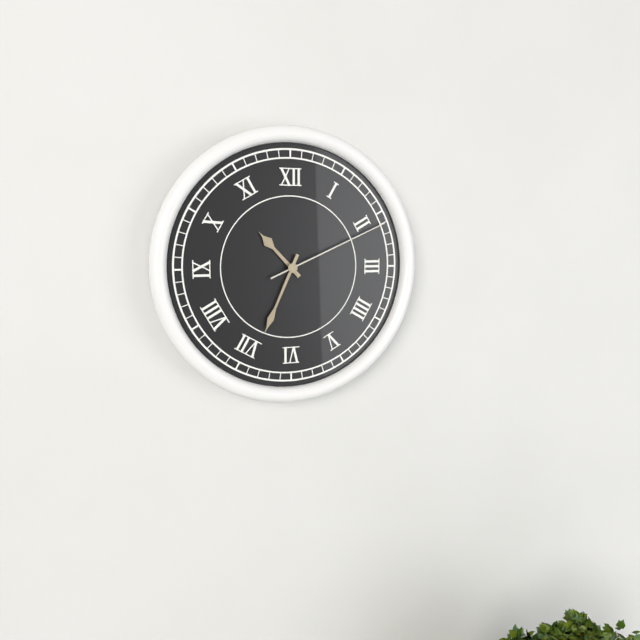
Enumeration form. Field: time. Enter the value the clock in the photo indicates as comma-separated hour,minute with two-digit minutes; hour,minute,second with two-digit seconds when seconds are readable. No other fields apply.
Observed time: 10,34,11
